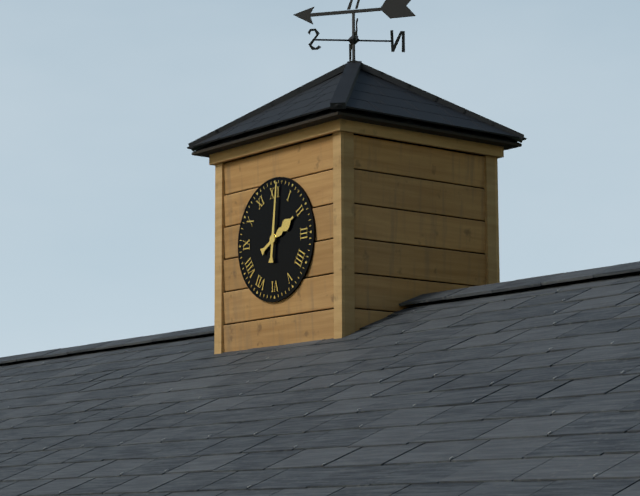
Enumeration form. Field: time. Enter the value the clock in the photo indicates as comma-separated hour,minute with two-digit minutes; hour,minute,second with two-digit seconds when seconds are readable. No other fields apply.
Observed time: 2,01
